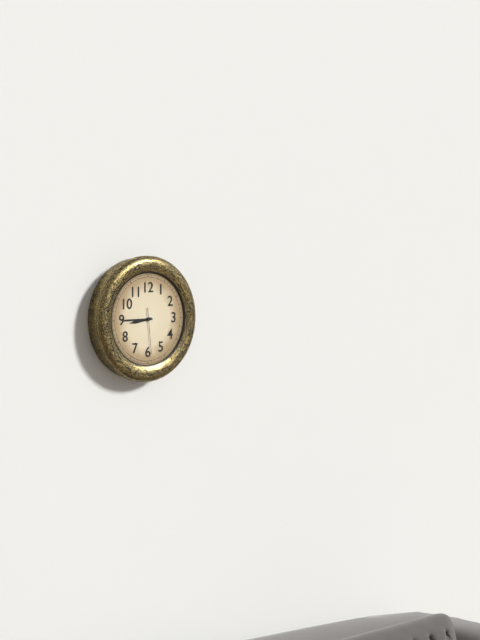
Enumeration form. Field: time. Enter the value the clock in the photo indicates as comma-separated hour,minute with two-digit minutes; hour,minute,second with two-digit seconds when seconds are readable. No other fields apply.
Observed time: 8,45
